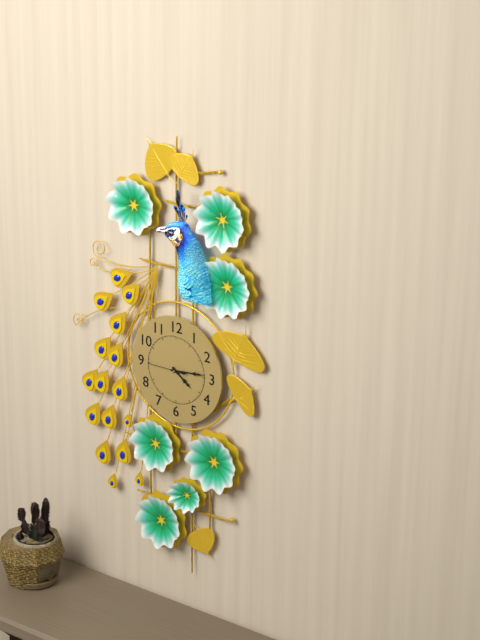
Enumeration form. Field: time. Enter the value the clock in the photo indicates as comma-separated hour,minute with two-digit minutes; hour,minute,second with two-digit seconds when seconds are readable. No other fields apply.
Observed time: 4,14
